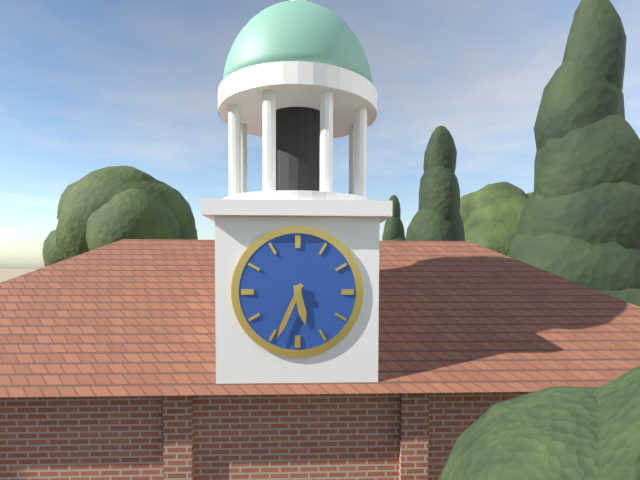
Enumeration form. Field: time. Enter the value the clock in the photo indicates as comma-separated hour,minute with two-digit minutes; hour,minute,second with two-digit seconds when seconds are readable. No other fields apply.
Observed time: 5,34
